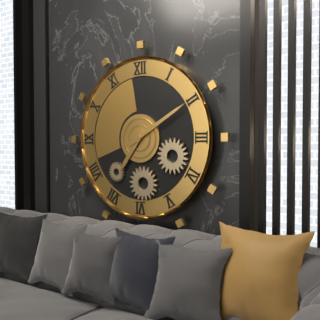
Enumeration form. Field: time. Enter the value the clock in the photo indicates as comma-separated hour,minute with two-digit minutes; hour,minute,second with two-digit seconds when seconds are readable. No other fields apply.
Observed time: 7,10
